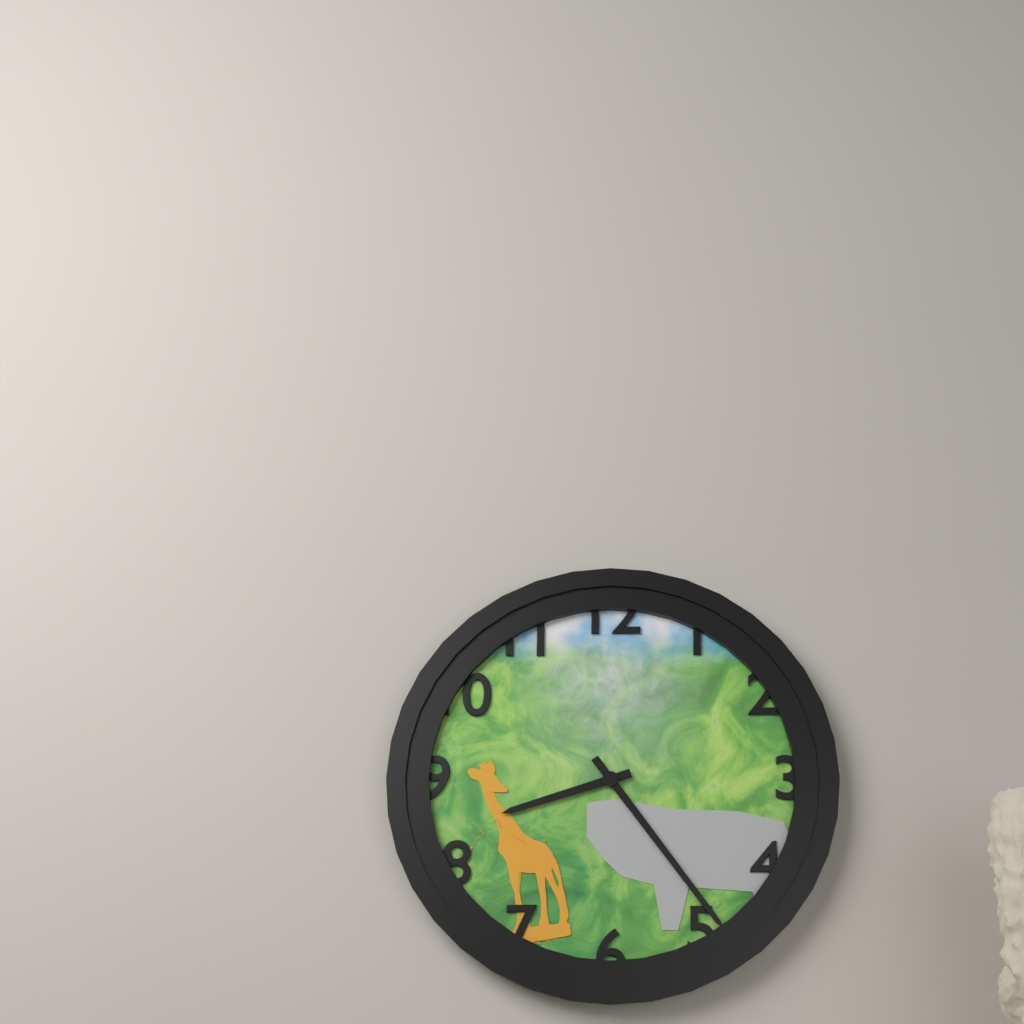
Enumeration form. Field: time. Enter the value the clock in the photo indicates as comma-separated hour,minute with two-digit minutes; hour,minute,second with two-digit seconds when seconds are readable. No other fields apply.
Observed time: 8,24
